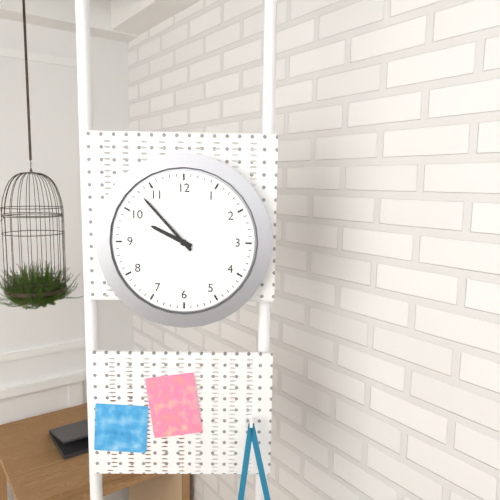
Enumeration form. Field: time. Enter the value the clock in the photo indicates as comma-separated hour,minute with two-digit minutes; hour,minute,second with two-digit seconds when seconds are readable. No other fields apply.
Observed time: 9,53
